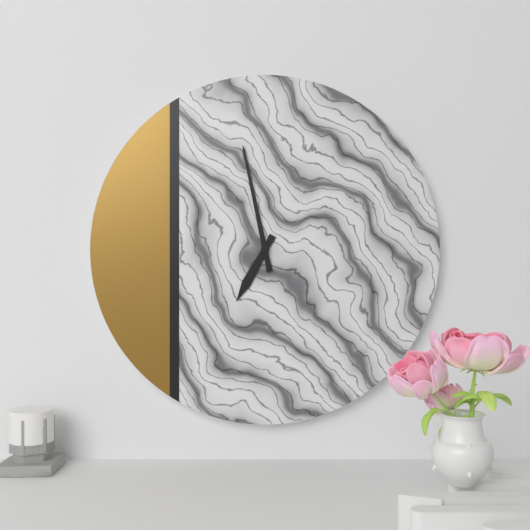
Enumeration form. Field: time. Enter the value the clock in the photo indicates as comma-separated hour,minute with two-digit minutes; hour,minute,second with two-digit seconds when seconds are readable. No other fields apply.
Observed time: 6,58
